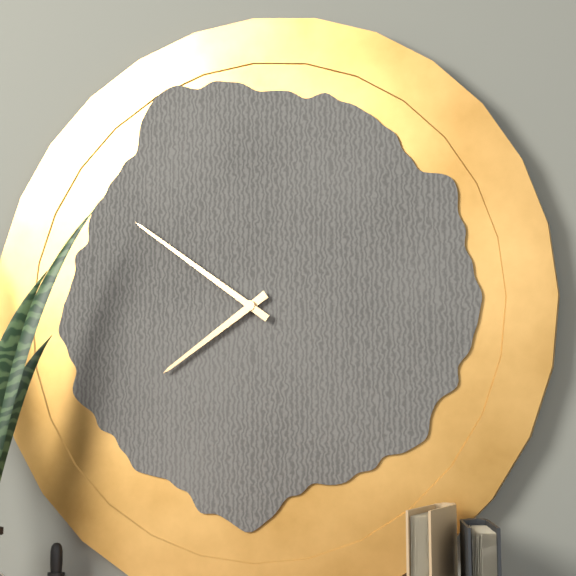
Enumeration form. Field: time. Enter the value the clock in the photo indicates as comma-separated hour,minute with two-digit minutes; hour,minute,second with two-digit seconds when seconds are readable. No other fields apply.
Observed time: 7,51
